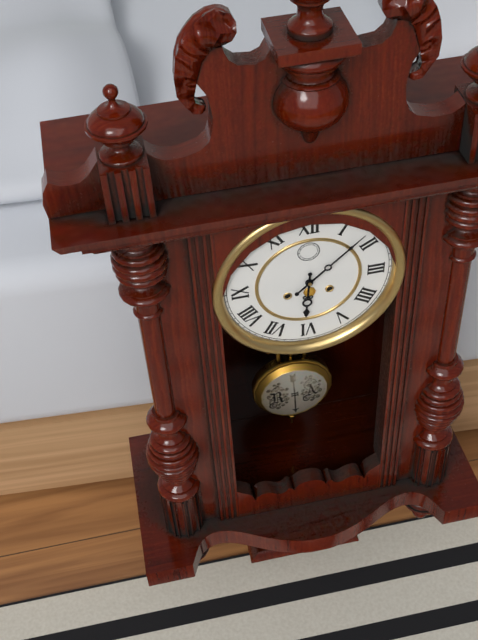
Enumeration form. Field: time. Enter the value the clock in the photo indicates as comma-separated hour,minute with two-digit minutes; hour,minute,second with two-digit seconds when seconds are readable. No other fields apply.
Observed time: 6,08
